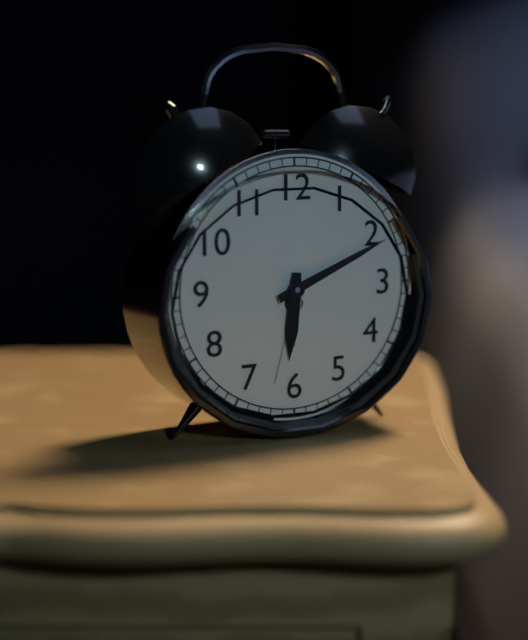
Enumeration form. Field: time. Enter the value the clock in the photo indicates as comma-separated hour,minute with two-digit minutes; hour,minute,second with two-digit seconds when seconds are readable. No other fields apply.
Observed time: 6,11
